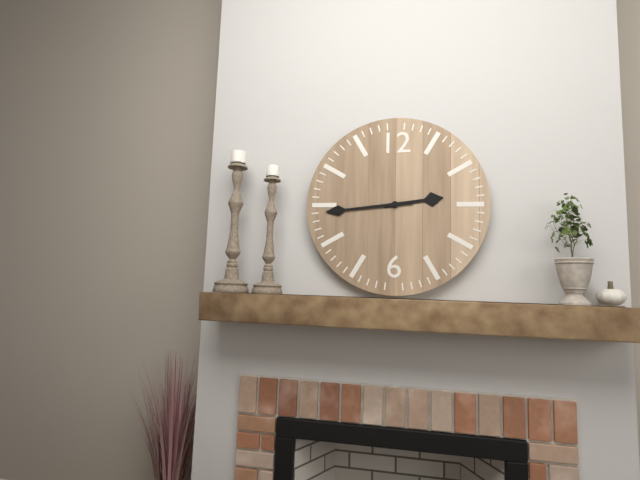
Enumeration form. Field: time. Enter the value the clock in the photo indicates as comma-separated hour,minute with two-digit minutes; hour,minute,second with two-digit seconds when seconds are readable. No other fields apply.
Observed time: 2,44
